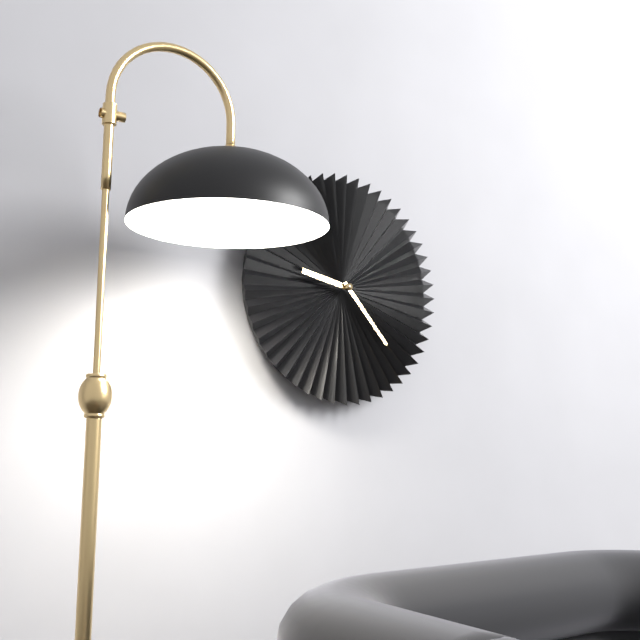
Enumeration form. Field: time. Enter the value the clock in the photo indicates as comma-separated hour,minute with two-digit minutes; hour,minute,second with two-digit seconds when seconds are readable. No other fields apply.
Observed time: 9,23
